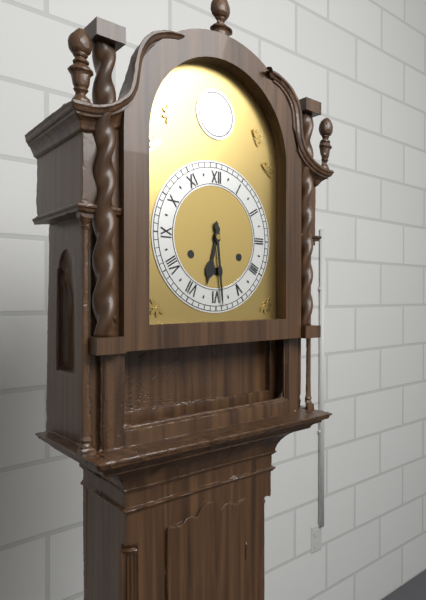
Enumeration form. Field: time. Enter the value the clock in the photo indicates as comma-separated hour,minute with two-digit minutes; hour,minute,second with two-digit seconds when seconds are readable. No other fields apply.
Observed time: 6,29
